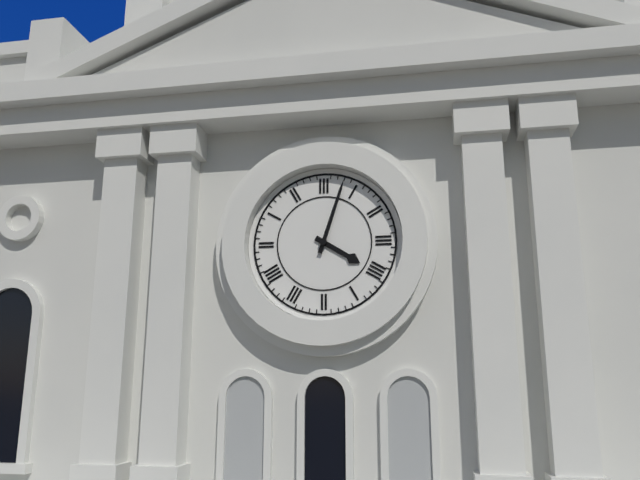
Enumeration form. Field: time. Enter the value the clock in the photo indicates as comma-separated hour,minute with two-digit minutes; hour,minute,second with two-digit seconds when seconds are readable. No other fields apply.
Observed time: 4,03
